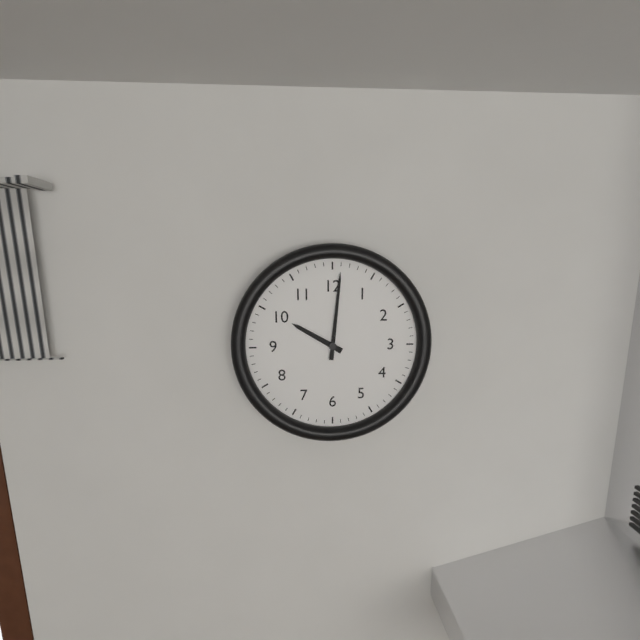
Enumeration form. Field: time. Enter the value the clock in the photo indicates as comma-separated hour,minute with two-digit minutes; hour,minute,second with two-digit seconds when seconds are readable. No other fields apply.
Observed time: 10,01
